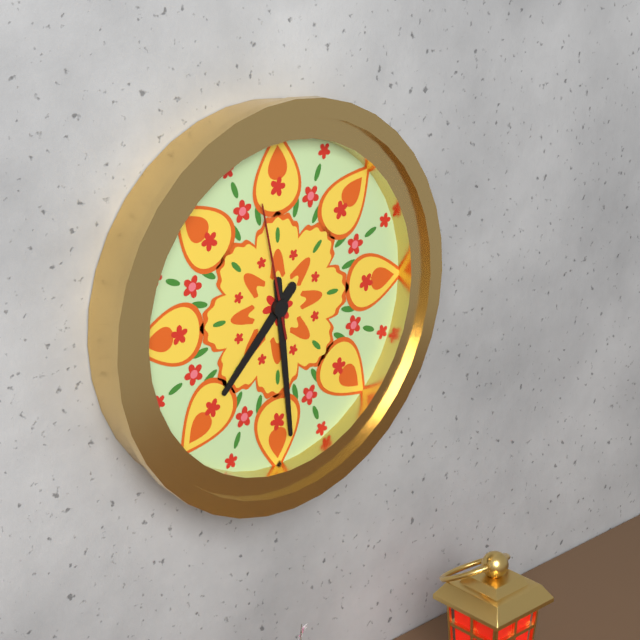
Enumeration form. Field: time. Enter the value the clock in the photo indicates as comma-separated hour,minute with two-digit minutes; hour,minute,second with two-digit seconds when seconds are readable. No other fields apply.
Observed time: 7,29,58
